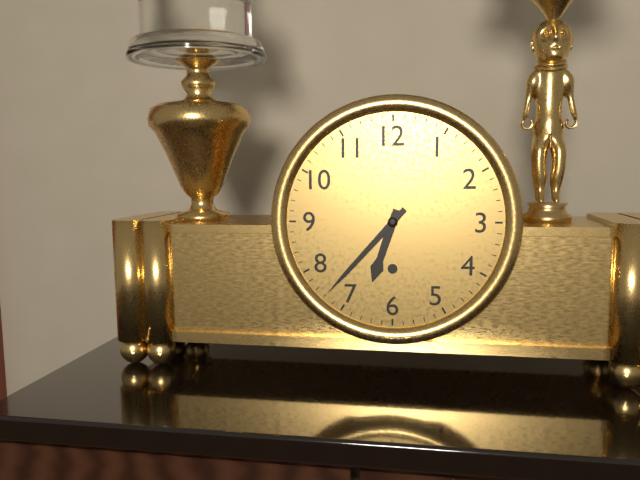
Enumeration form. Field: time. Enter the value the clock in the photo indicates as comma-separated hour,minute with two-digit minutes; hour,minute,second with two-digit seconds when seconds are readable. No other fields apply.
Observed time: 6,37
